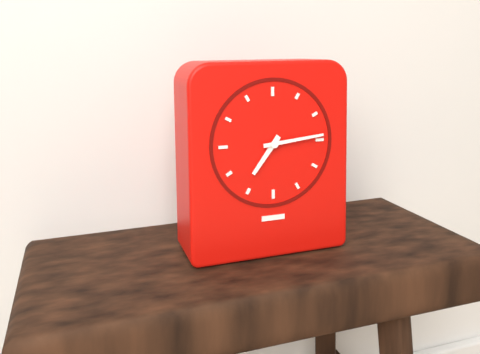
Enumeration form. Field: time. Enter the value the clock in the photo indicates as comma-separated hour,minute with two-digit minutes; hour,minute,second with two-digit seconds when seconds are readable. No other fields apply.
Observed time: 7,14
